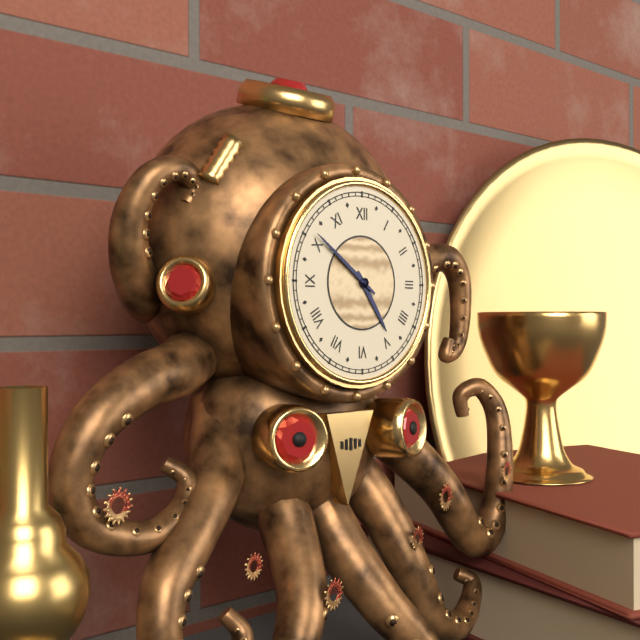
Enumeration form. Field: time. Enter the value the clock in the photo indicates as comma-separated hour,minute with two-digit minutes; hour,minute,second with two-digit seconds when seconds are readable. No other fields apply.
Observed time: 4,51
